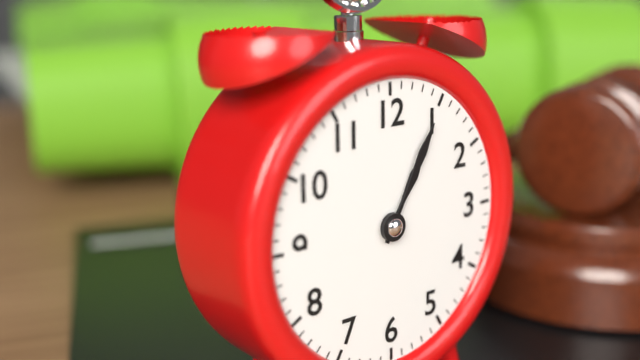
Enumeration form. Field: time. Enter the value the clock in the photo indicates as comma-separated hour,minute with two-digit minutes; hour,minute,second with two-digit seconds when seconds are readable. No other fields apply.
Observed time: 1,05
